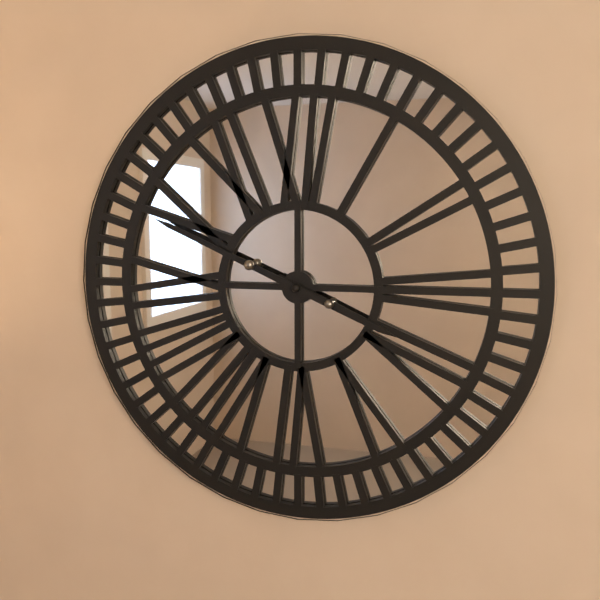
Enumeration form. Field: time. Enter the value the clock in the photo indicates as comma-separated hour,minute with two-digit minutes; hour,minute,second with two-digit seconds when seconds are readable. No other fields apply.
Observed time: 3,49
